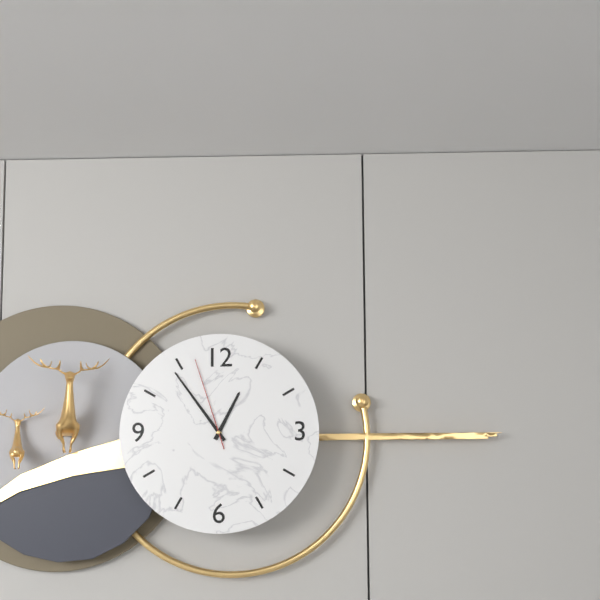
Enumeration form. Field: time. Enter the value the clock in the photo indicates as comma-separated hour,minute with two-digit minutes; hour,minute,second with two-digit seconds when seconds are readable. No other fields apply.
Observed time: 12,54,57
